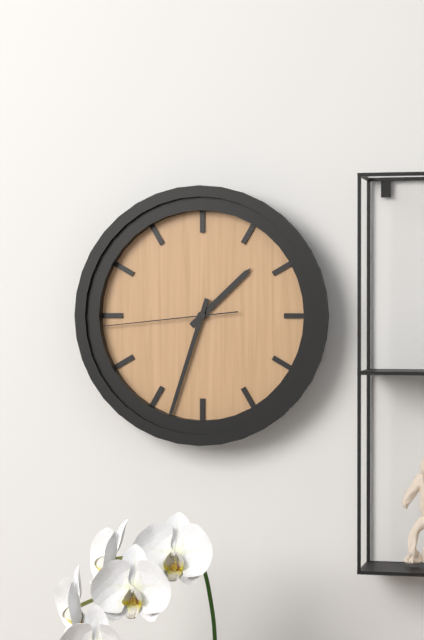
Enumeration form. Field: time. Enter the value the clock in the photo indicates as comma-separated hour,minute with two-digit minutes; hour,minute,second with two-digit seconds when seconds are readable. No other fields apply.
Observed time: 1,33,44
